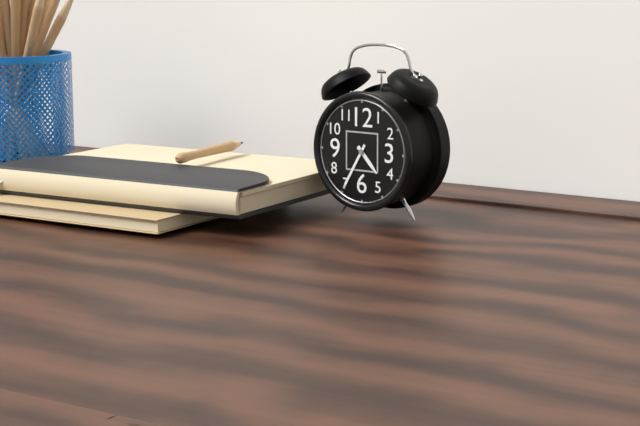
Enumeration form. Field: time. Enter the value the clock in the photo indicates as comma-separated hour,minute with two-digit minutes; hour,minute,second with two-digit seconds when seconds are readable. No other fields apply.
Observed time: 4,35
